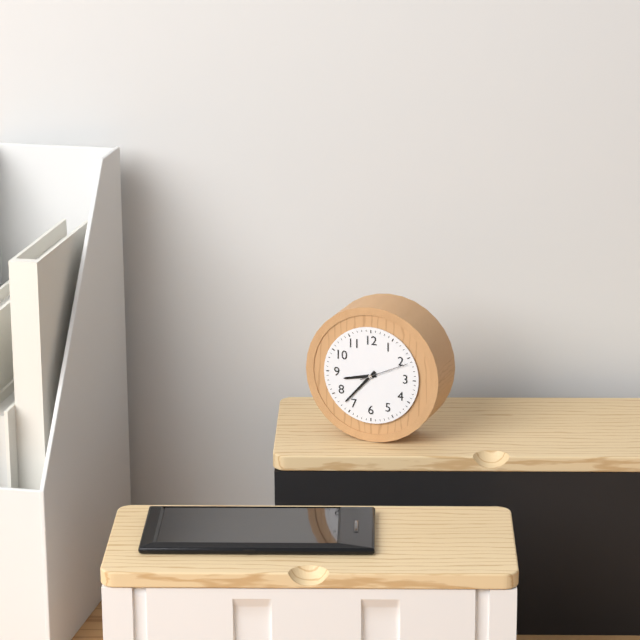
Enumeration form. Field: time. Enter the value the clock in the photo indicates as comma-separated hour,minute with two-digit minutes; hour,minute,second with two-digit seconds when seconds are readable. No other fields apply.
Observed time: 8,37
